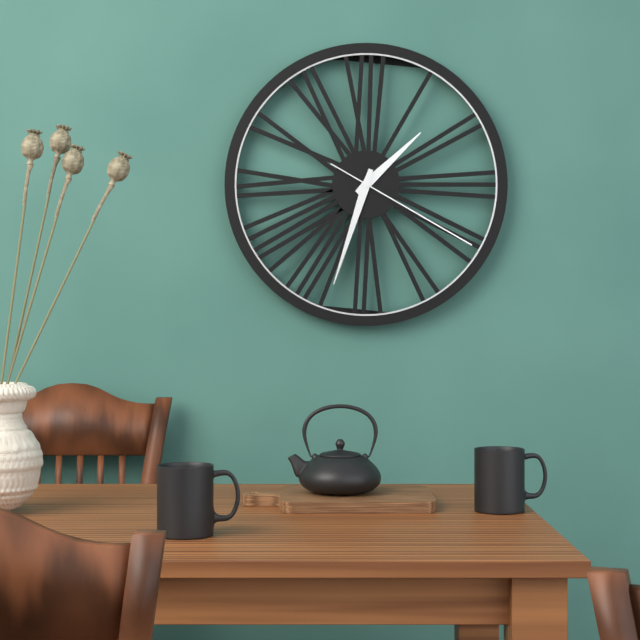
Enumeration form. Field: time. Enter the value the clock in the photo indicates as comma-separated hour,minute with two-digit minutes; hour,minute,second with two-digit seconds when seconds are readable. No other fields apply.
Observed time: 1,33,20
